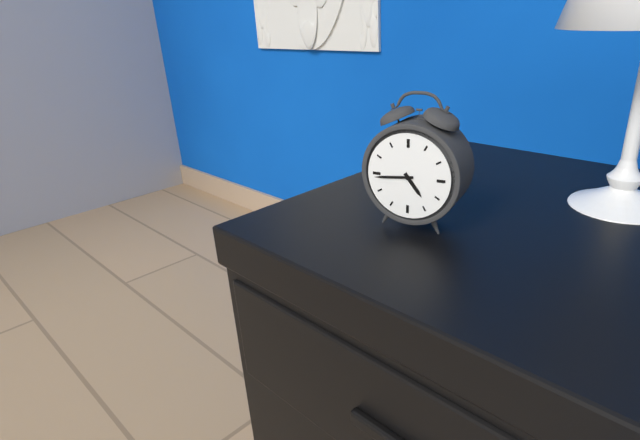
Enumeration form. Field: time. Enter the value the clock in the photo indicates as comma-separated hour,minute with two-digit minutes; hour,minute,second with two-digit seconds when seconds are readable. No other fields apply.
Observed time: 4,44
